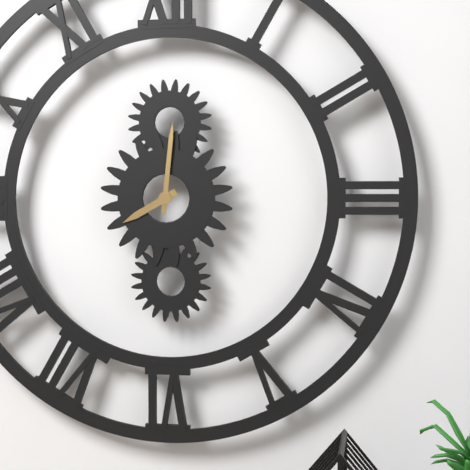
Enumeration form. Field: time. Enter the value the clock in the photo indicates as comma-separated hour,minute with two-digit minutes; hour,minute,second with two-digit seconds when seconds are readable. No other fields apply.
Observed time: 8,01
